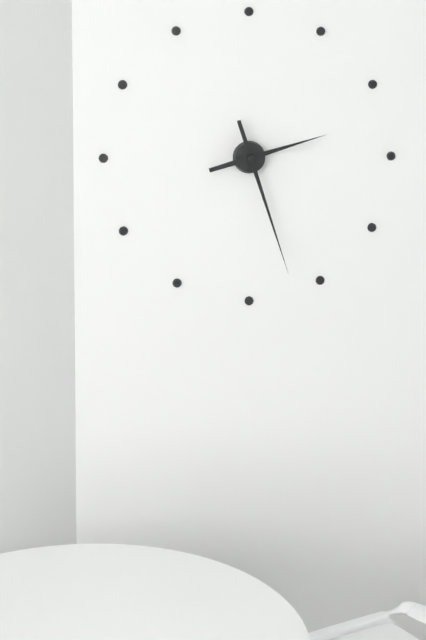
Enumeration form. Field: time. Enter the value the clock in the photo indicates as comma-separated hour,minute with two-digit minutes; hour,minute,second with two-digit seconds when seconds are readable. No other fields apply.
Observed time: 2,27
